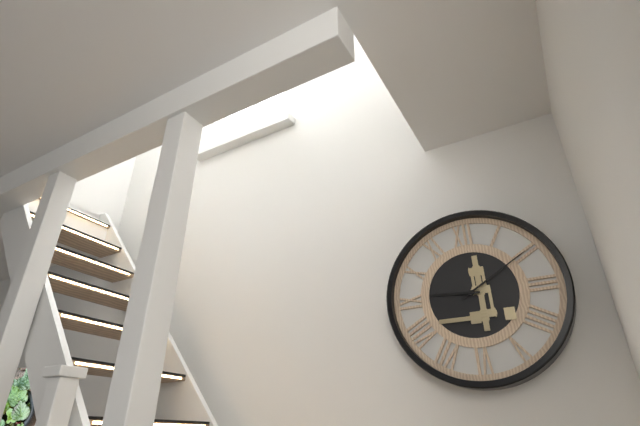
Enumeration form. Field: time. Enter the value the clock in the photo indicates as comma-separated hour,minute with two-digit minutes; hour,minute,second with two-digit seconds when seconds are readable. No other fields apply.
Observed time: 9,10
